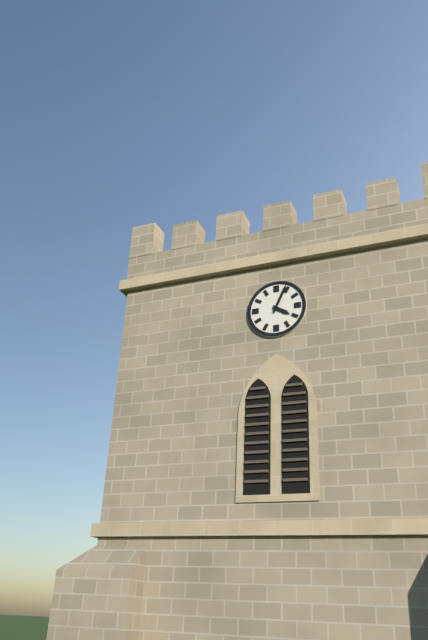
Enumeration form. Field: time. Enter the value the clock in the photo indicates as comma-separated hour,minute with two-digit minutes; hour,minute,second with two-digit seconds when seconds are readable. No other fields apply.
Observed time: 4,04
